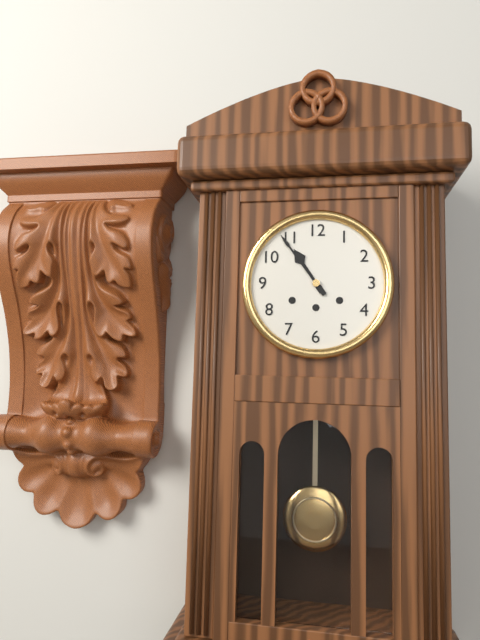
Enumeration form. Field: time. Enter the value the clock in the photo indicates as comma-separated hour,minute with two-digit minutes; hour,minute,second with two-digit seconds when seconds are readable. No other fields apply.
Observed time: 10,54
